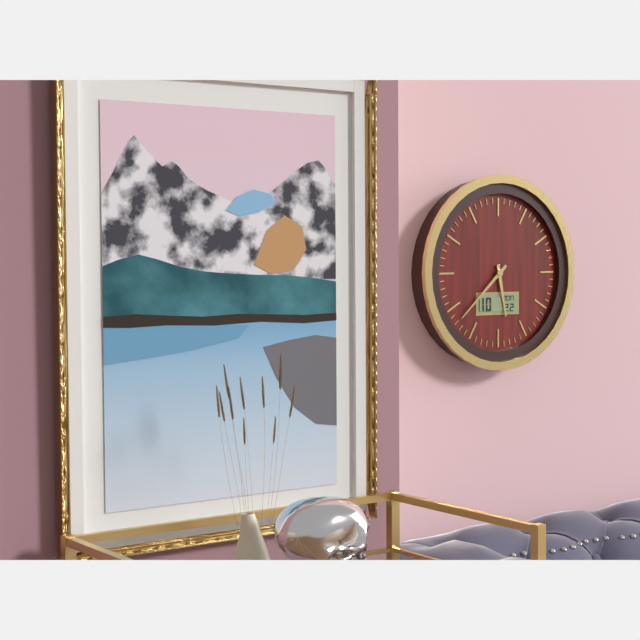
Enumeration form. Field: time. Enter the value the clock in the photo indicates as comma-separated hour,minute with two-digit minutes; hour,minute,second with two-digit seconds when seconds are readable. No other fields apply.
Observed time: 5,38
